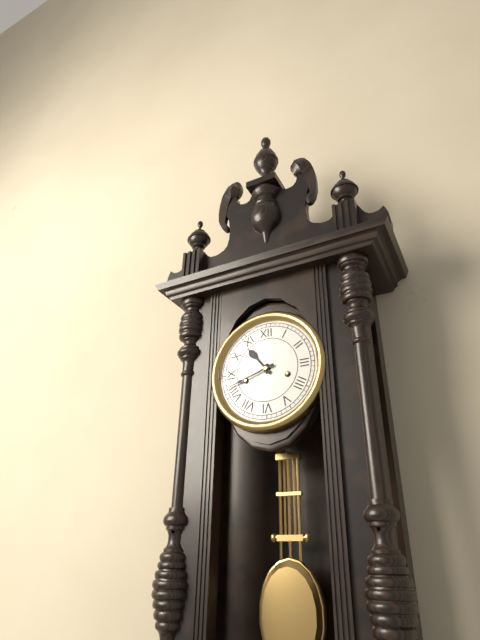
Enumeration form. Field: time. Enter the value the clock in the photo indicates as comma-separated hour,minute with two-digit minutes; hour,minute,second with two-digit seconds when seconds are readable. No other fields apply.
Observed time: 10,42
